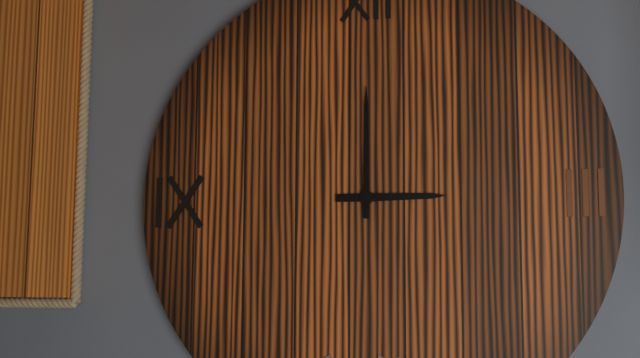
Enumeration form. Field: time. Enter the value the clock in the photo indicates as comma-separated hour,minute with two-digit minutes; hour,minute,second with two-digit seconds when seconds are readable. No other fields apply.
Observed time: 3,00
